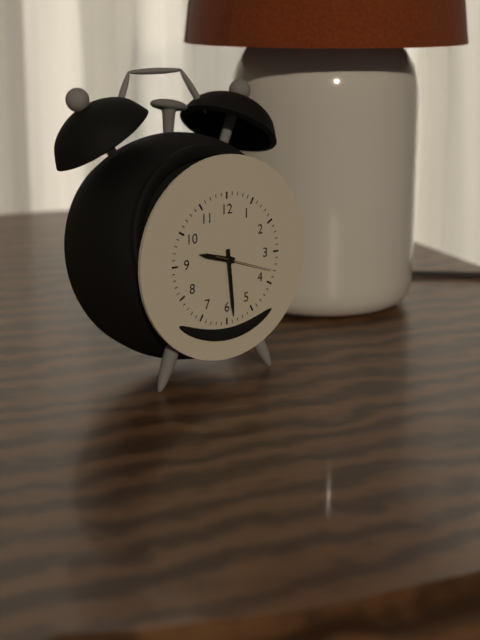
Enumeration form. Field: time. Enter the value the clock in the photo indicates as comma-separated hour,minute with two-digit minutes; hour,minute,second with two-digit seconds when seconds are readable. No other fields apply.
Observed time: 9,29,18
